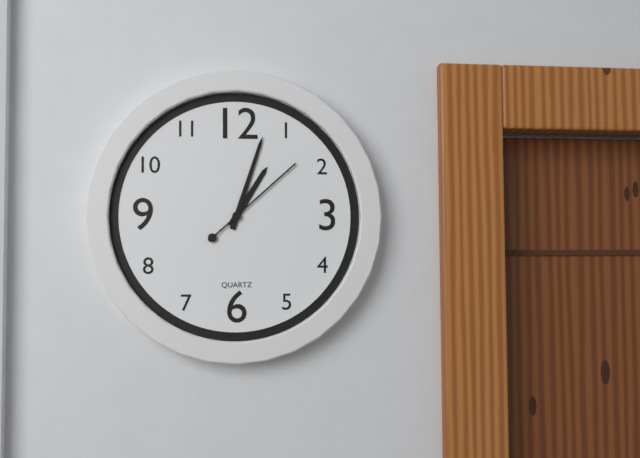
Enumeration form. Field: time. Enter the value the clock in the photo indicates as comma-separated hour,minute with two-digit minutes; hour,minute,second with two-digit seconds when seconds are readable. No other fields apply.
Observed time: 1,03,08
